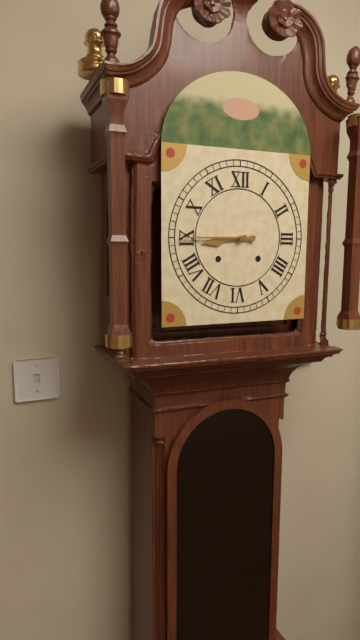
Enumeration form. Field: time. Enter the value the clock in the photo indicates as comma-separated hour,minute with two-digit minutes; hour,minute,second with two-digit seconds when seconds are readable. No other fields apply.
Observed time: 8,45
